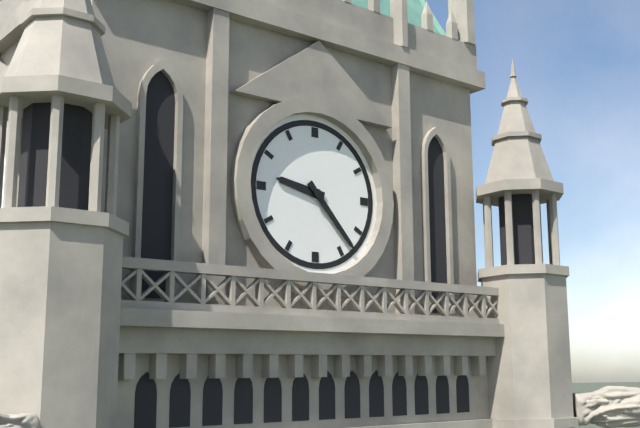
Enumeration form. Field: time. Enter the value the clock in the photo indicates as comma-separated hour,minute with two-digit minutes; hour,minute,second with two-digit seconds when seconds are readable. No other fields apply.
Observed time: 9,23
